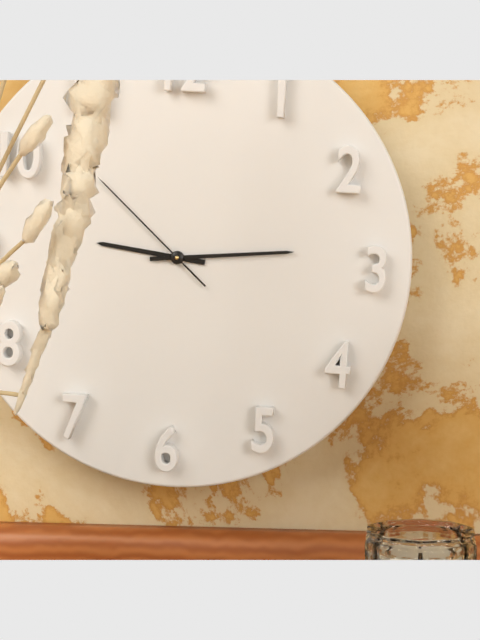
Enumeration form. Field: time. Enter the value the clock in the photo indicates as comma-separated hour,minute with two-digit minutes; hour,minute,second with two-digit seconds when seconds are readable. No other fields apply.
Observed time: 9,14,52
